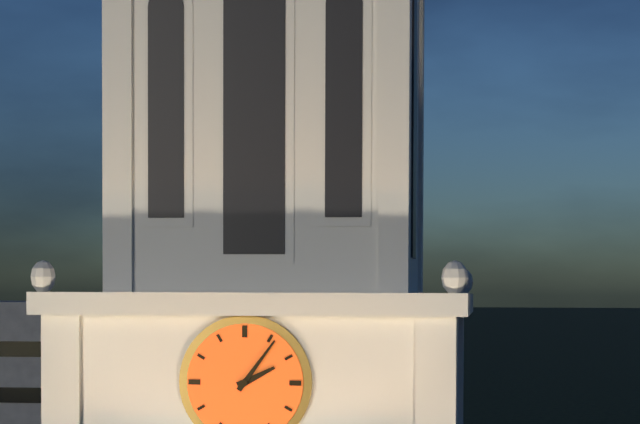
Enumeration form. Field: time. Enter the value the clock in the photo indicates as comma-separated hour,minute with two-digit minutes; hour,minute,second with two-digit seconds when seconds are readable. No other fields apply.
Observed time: 2,06
